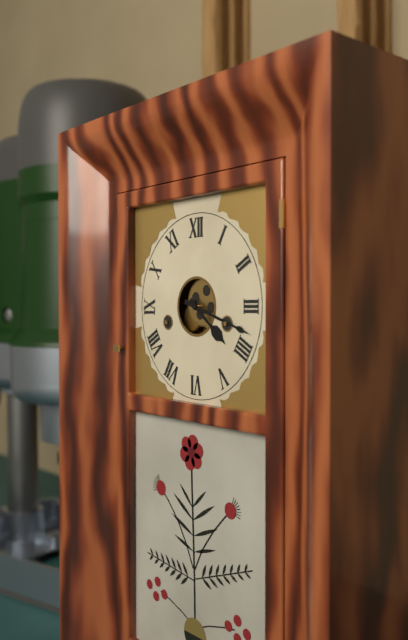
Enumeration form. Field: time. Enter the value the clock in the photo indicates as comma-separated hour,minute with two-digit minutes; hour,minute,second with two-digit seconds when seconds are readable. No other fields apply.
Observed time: 4,18
